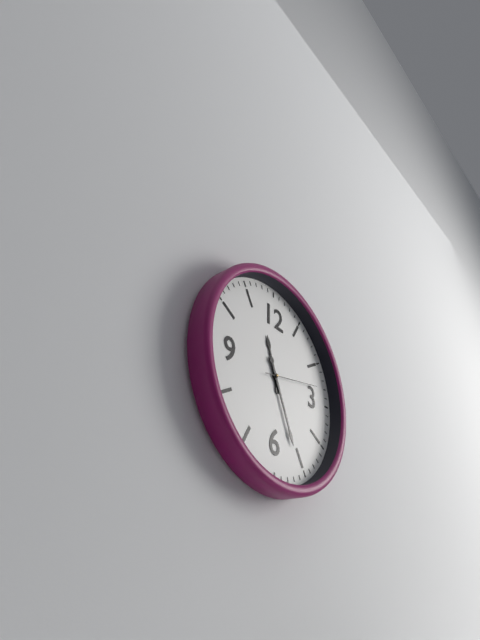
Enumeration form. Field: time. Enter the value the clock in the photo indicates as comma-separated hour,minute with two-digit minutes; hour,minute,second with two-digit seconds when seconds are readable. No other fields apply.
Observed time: 11,26,13
